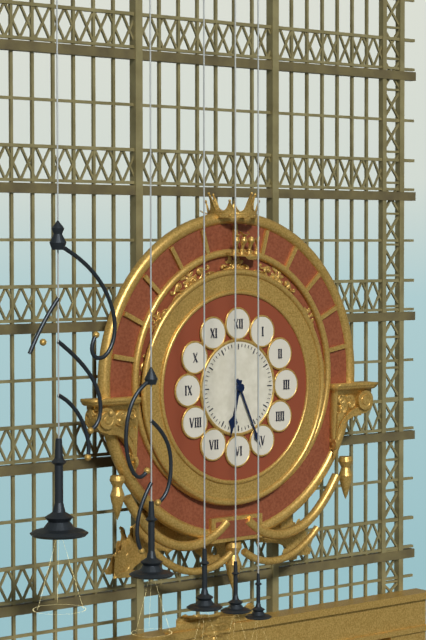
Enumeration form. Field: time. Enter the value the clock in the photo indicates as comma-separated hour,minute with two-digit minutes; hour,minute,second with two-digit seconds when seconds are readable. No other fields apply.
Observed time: 6,26
